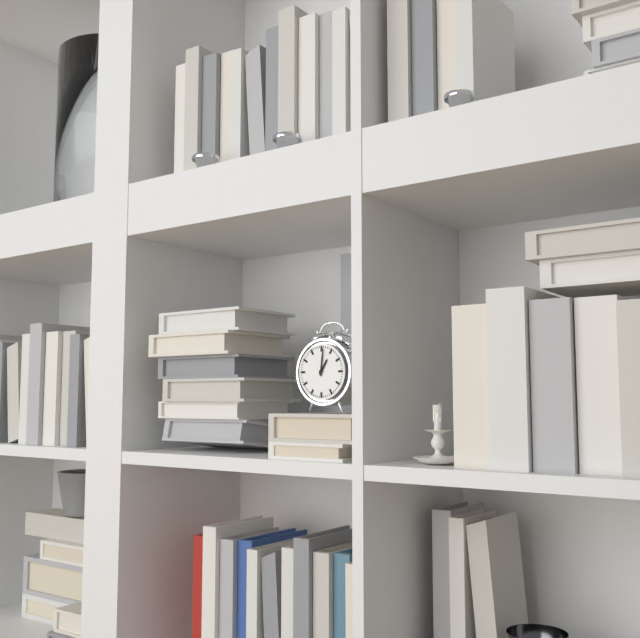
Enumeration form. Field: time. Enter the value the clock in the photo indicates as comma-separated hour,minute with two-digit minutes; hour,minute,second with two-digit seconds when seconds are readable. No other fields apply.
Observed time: 1,01
